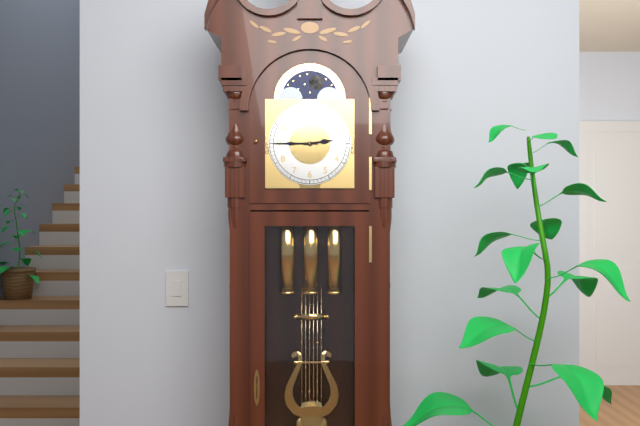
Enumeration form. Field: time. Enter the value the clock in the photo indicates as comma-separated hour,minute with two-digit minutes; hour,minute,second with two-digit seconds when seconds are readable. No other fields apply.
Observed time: 2,45
